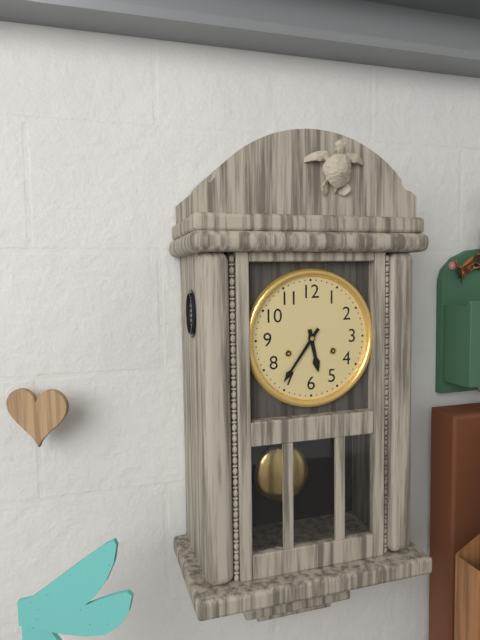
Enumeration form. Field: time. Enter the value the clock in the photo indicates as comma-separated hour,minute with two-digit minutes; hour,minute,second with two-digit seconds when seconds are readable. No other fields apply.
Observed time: 5,36
